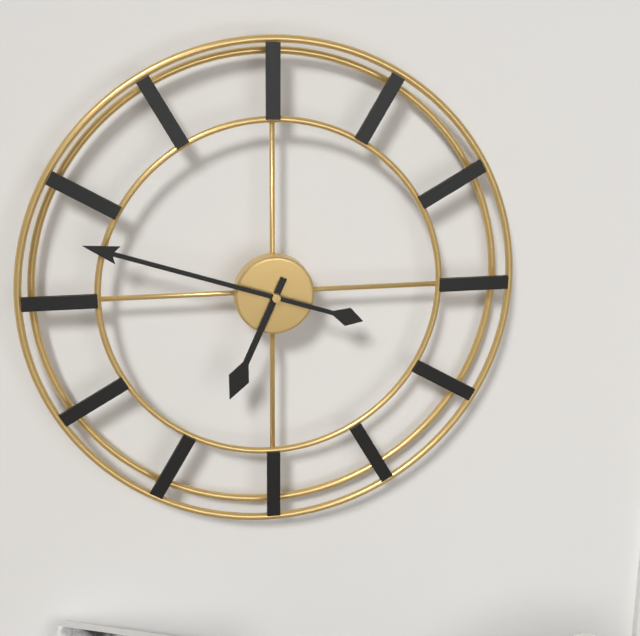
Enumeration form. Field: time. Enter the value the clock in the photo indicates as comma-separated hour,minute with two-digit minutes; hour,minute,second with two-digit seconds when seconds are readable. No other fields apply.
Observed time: 6,48
